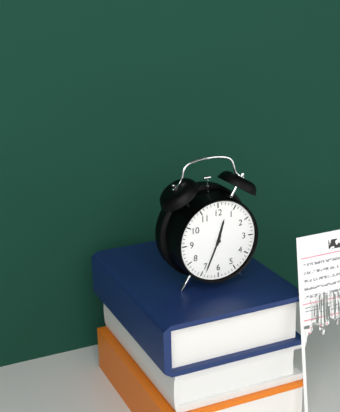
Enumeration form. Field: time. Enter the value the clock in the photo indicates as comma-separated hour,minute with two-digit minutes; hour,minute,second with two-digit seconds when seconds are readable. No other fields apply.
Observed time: 12,34
